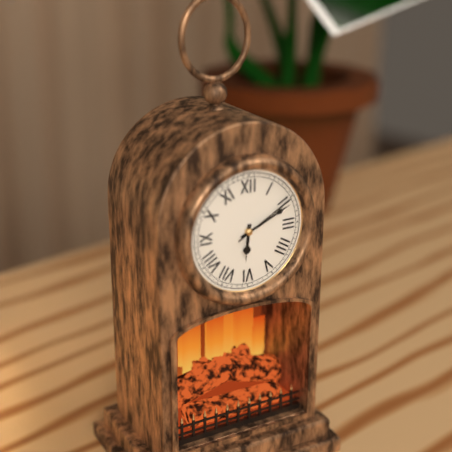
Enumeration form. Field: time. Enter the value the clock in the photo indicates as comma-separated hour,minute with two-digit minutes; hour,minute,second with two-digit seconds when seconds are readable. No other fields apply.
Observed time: 6,11,10
